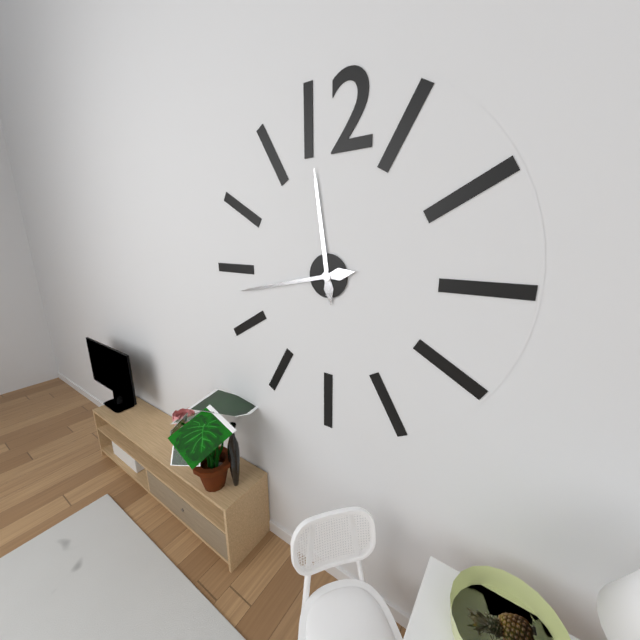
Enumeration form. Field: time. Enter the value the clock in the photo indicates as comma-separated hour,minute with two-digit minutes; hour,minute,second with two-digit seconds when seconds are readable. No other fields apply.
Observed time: 11,43
